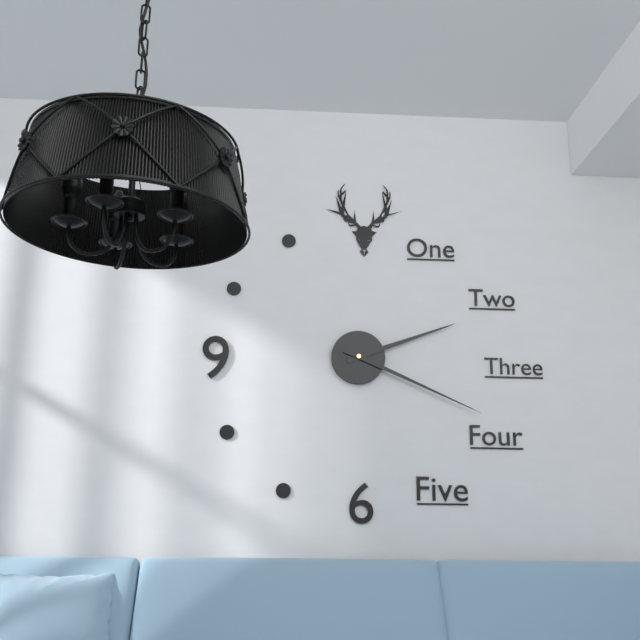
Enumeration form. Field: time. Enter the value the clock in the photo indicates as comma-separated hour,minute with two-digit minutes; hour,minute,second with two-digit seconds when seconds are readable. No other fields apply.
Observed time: 2,19
